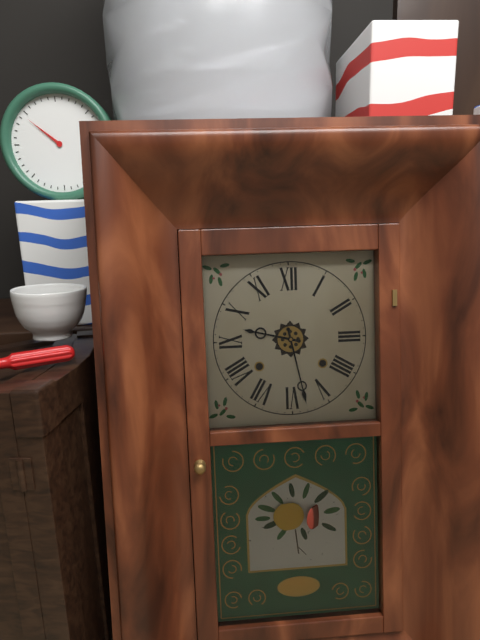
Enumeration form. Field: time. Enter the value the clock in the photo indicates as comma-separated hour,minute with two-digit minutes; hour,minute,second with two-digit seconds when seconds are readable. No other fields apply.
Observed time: 9,28
